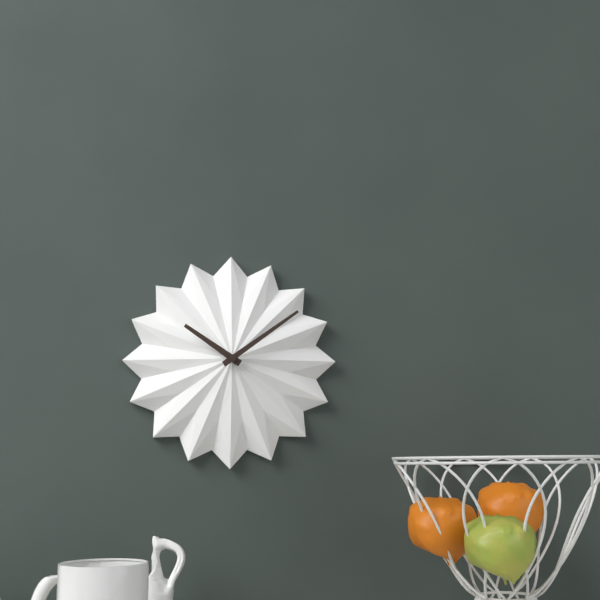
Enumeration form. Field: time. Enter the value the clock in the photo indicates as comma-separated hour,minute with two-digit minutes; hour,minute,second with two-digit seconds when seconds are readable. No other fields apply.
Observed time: 10,09
